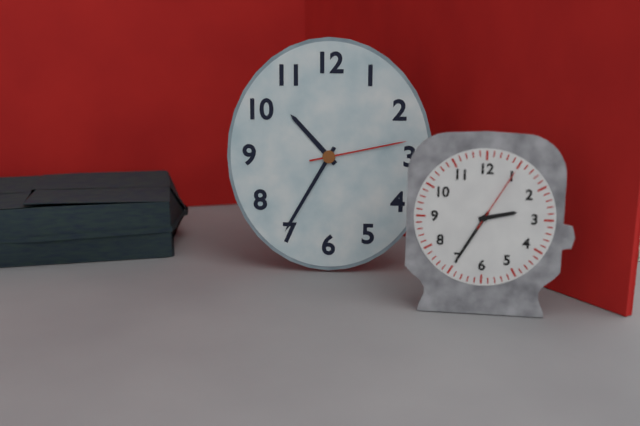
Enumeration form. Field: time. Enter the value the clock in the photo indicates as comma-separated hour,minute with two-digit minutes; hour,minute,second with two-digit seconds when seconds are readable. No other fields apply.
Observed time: 10,35,13
